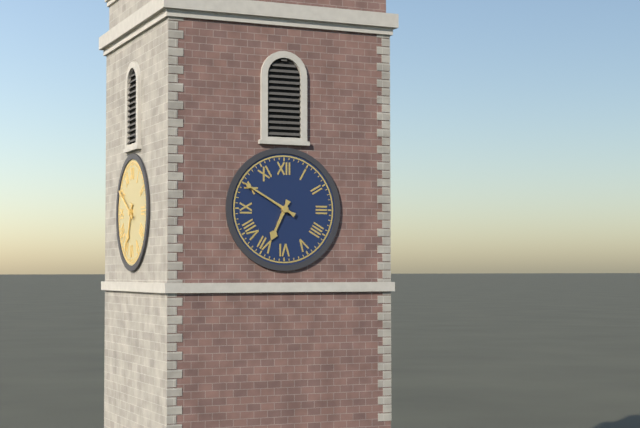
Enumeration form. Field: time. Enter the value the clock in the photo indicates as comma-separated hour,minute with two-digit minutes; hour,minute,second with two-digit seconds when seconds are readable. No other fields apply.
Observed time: 6,50
